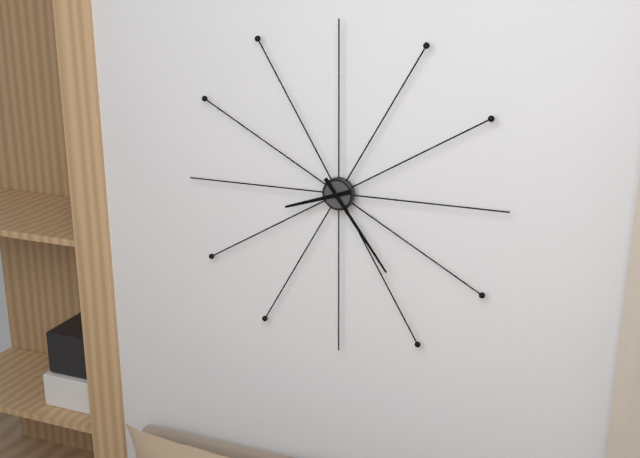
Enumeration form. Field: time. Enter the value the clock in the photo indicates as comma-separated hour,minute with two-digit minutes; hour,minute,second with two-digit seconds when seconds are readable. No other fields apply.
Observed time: 8,24
